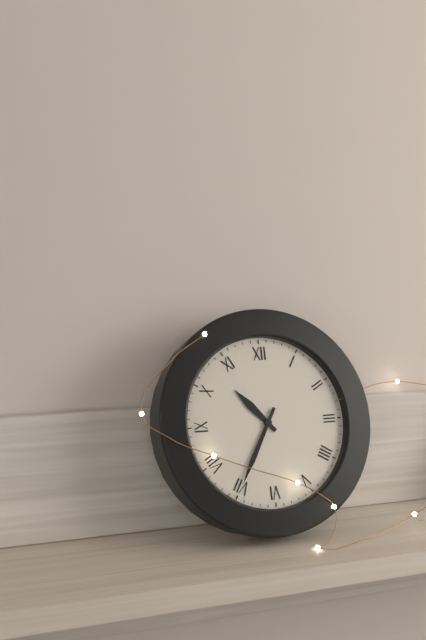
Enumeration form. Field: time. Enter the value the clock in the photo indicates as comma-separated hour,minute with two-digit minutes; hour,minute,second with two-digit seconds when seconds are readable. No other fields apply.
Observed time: 10,35
